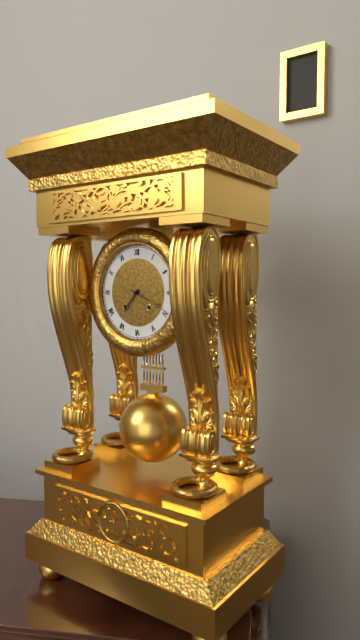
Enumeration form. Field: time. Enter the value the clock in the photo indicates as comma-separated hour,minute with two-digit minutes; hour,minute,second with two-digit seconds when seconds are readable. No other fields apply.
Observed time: 7,19
